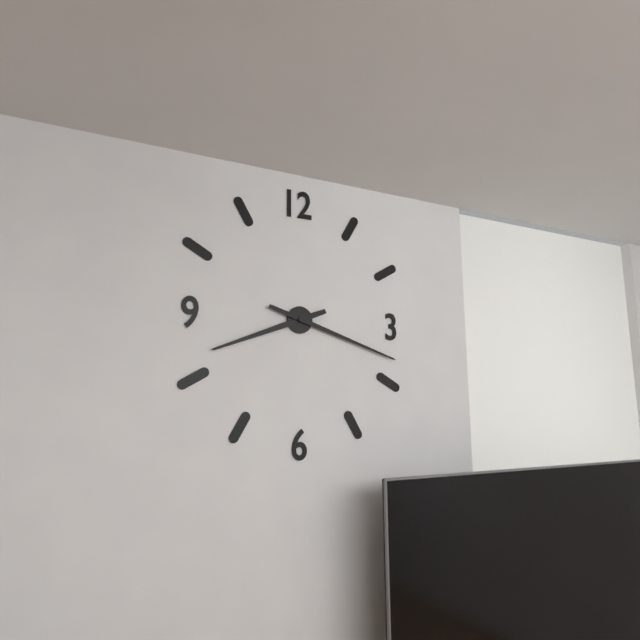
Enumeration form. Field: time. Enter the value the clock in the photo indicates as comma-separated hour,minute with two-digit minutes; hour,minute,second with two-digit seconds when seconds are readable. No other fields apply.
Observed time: 8,18
